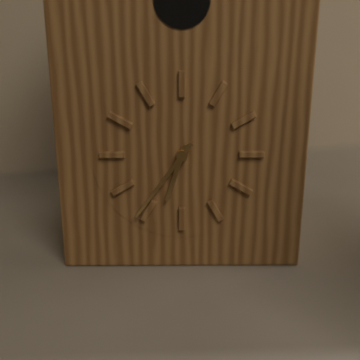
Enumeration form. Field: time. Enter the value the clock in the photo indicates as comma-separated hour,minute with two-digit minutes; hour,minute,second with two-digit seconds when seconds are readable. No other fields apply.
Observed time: 6,36
